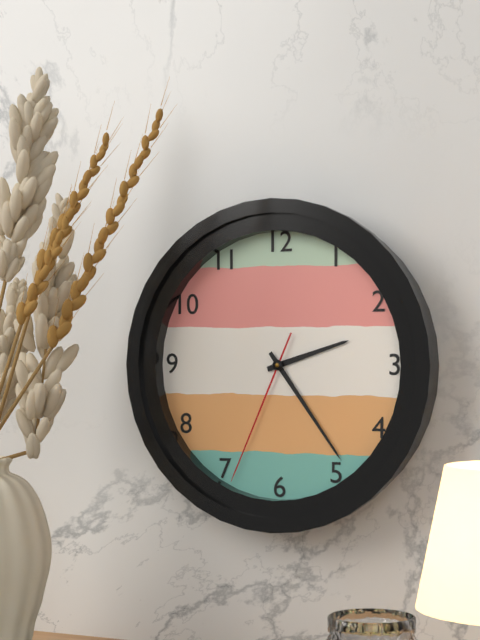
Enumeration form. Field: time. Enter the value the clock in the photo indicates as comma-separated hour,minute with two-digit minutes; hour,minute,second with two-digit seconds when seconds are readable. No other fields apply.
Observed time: 2,24,34
